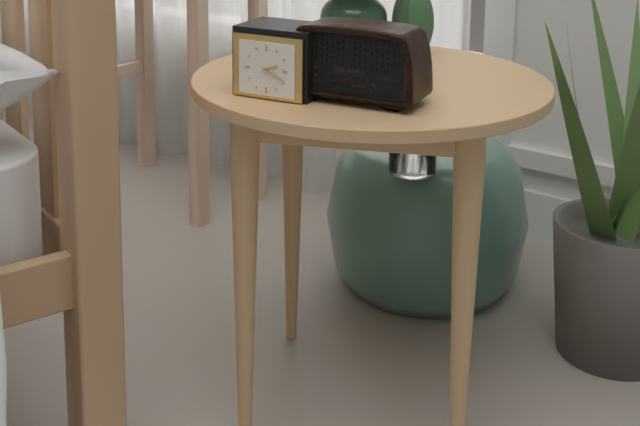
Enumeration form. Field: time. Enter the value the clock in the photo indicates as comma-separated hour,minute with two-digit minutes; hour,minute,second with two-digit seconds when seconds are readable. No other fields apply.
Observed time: 2,19
